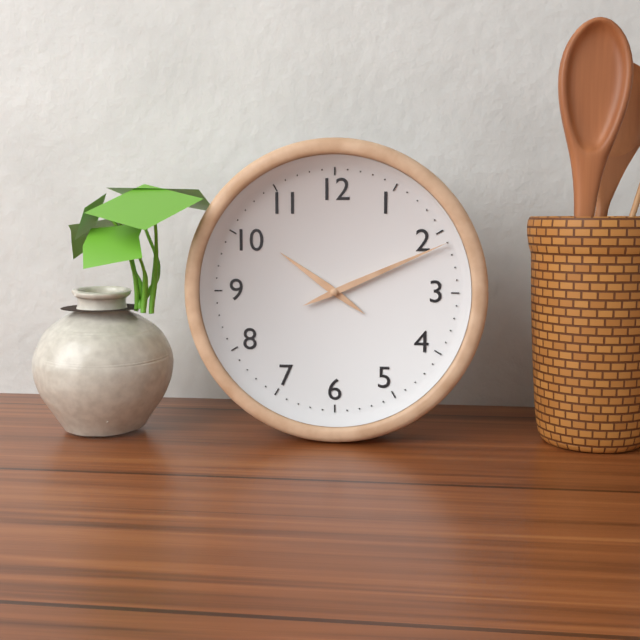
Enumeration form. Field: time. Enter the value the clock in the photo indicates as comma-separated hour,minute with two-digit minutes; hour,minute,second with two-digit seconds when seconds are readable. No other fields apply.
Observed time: 10,11
